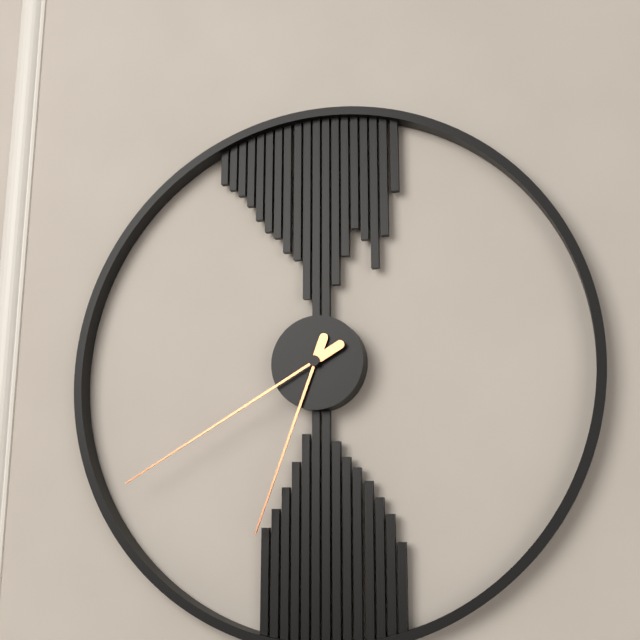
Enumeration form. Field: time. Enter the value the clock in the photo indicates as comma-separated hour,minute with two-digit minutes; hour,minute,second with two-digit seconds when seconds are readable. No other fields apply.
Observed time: 6,40
